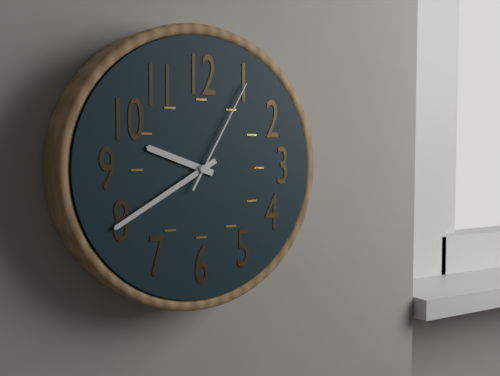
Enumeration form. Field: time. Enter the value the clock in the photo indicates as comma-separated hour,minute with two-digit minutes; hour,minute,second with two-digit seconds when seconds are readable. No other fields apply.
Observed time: 9,40,05
